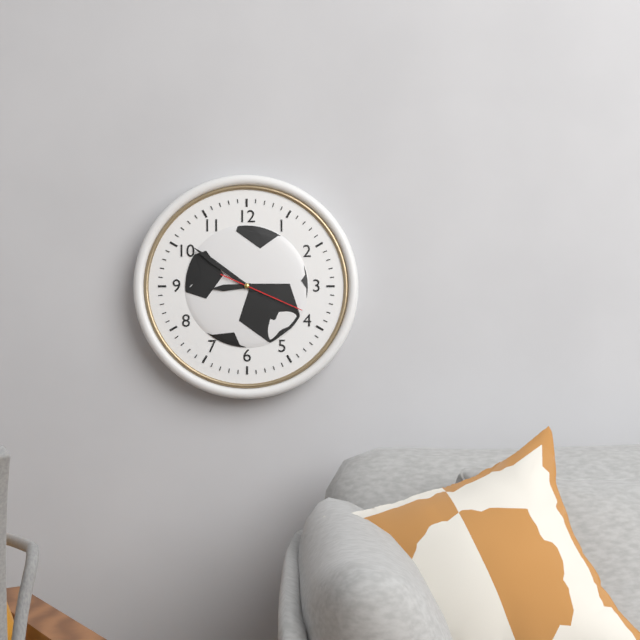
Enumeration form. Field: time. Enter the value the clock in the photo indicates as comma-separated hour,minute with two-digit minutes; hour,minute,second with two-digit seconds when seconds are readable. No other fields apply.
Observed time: 8,51,19
